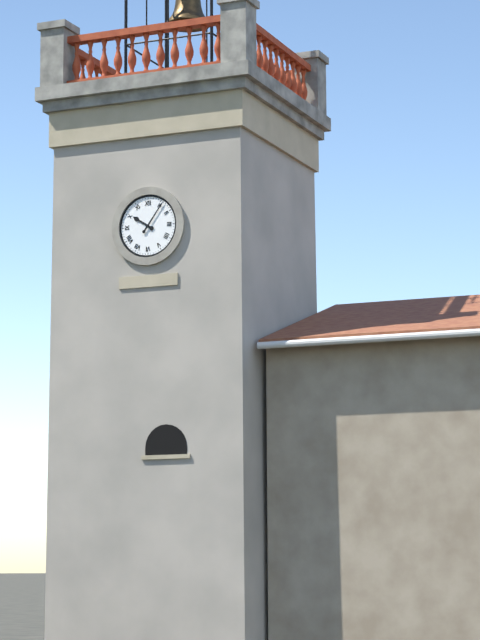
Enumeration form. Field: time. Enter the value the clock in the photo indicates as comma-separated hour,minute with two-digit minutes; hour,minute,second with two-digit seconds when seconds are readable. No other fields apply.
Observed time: 10,06
